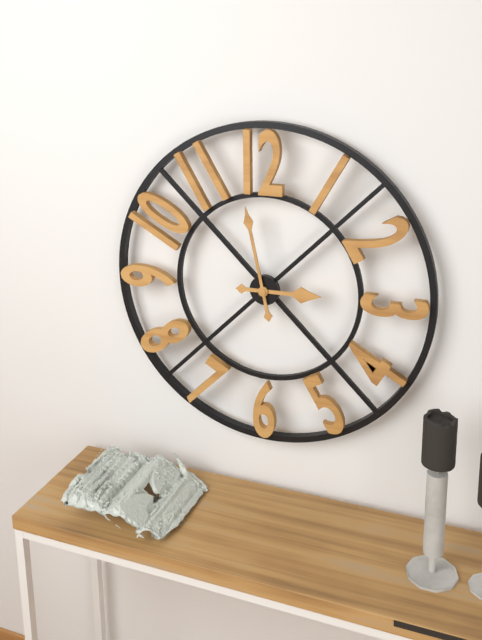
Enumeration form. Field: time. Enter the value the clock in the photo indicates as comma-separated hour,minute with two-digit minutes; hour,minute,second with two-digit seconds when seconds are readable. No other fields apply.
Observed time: 2,58
